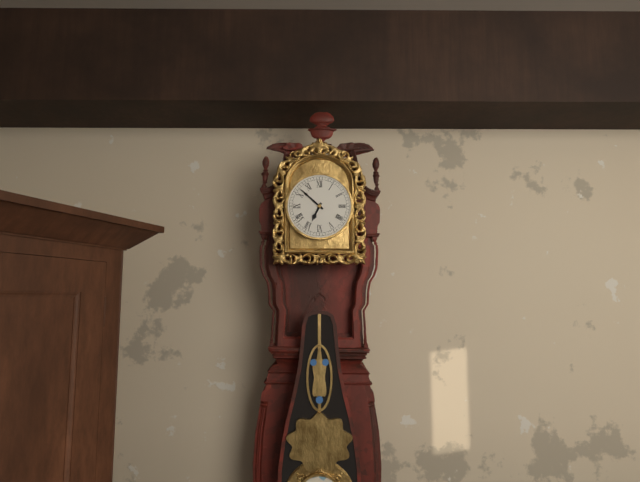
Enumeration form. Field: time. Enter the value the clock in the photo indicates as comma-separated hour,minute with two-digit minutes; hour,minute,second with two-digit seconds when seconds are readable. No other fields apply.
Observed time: 6,52
